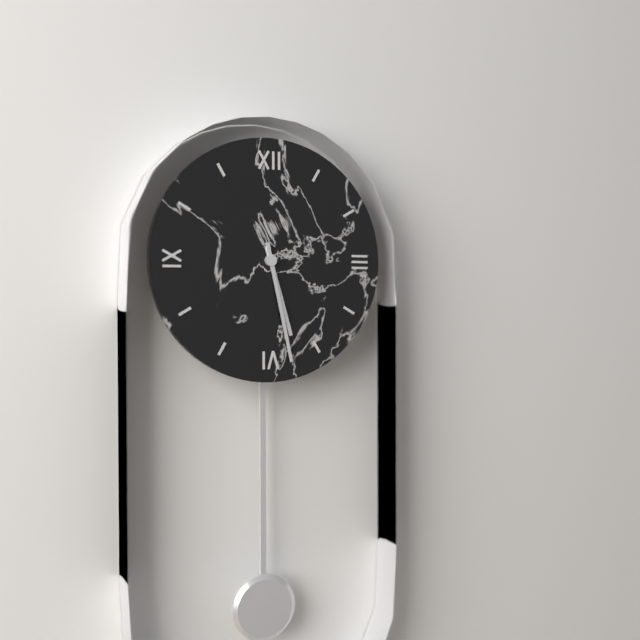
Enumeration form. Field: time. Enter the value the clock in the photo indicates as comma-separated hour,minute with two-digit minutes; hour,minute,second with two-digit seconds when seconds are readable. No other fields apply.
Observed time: 5,28
